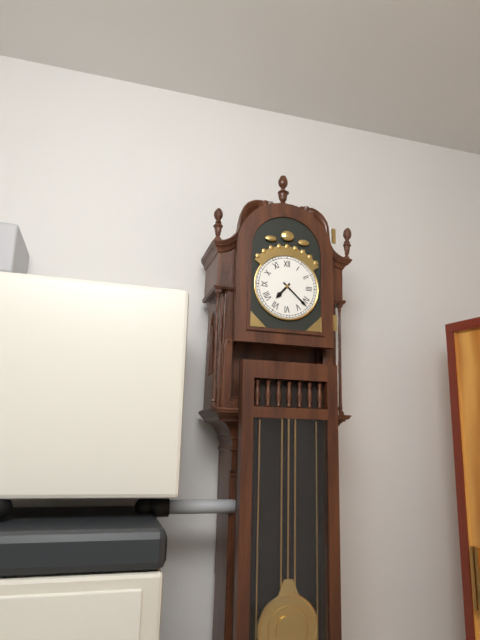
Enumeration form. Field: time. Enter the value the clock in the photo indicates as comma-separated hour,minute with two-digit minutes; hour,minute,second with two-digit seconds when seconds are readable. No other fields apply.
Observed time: 7,22
